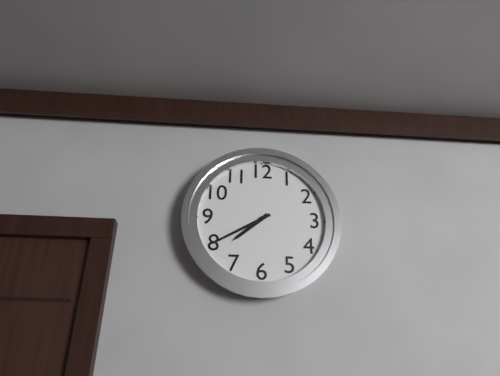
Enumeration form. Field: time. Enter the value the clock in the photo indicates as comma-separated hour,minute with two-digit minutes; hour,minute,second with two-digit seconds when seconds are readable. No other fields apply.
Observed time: 7,40
